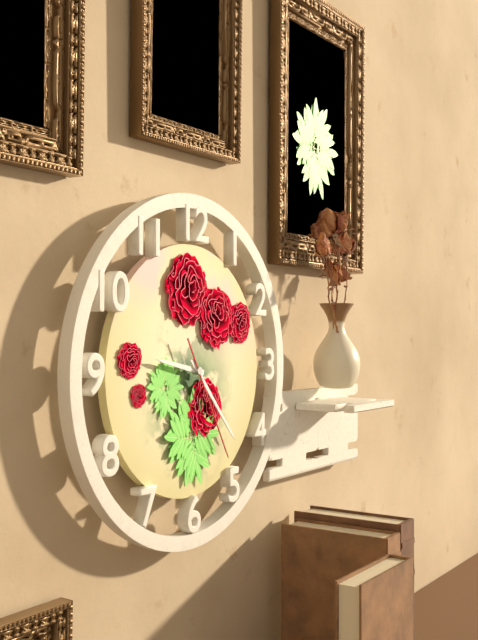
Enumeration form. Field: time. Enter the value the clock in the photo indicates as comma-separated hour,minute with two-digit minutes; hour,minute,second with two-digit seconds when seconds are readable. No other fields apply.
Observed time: 9,23,25
